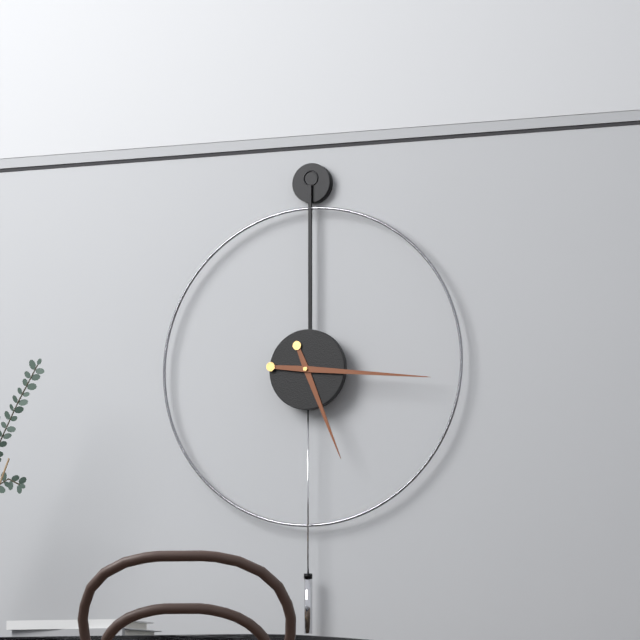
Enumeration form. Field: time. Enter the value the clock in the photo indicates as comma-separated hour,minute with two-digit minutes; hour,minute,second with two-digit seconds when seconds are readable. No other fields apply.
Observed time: 5,16
